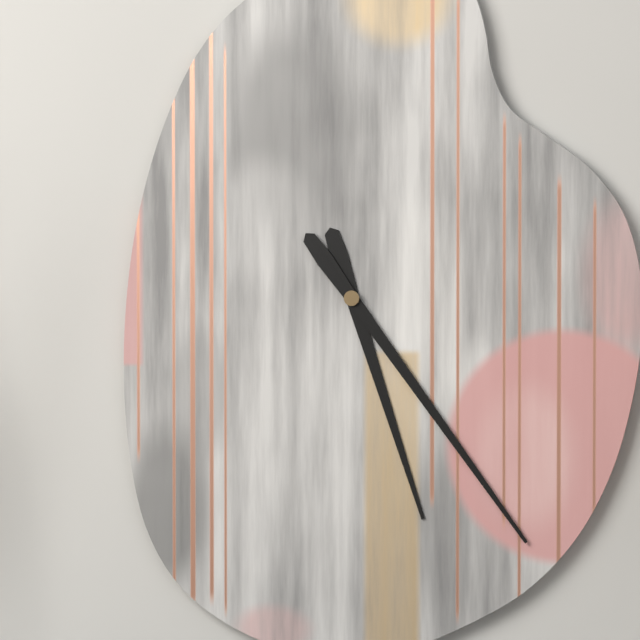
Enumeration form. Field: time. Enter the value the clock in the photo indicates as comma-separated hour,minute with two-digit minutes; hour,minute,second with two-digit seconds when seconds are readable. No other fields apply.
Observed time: 5,24
